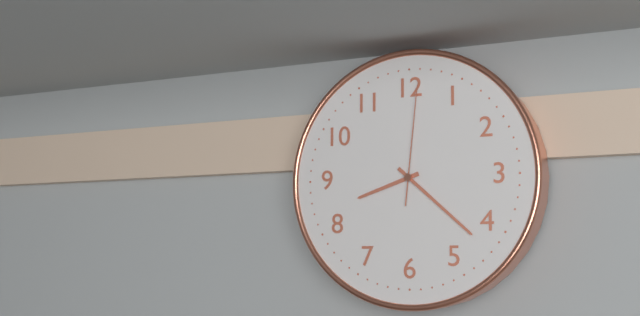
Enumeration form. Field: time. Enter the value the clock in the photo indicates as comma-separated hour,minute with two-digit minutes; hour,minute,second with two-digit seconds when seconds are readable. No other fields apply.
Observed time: 8,22,01
